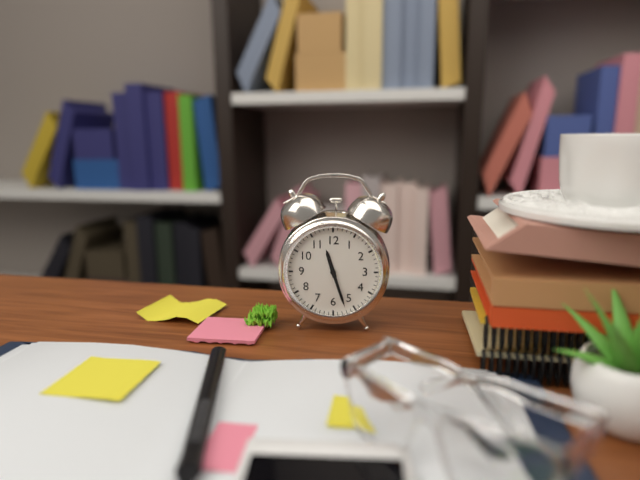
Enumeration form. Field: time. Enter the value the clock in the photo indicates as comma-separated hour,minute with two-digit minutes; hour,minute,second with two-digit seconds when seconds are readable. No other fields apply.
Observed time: 11,27
